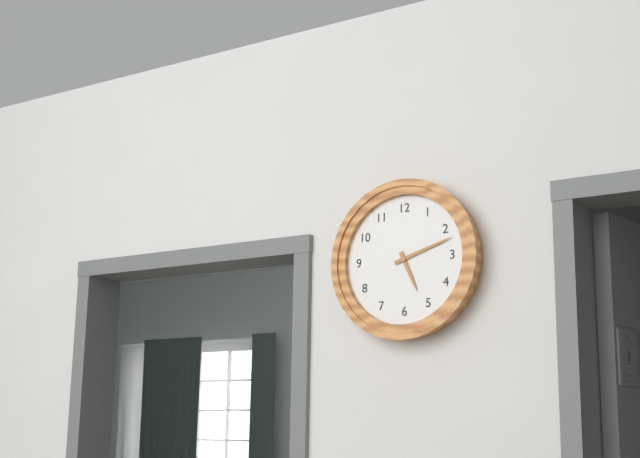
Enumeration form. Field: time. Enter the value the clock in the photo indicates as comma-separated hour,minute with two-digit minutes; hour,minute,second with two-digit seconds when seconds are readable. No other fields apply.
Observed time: 5,12
